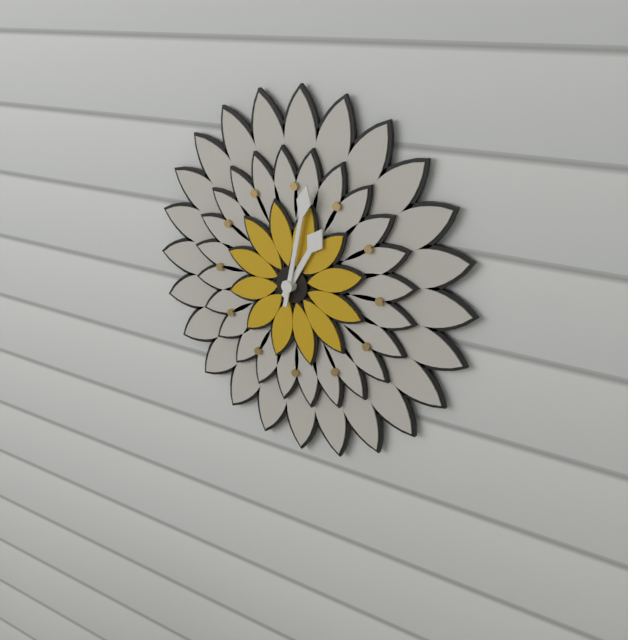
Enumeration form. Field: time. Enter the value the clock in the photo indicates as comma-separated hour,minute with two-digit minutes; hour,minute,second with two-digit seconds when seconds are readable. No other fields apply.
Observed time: 1,02
